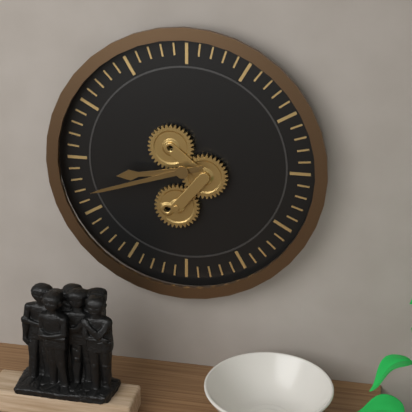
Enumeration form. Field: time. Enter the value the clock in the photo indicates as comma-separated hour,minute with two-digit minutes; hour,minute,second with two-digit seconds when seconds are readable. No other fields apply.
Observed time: 8,42
